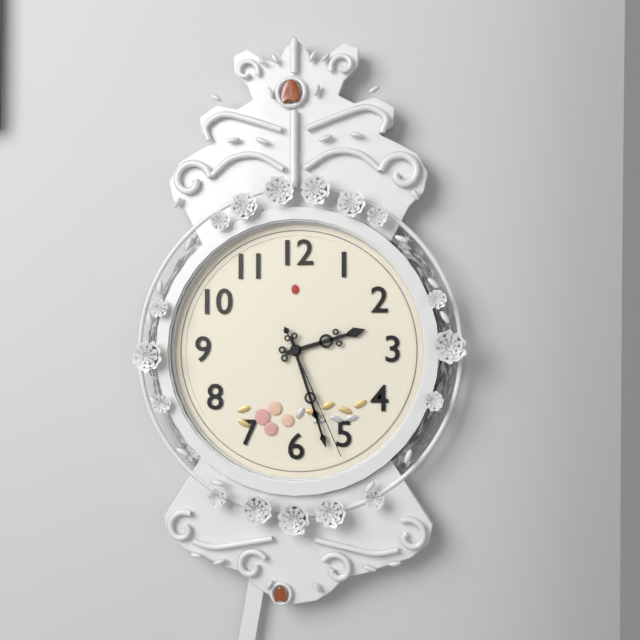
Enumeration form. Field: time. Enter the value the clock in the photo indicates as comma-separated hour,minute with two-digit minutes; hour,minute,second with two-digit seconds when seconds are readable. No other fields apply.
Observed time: 2,27,26
